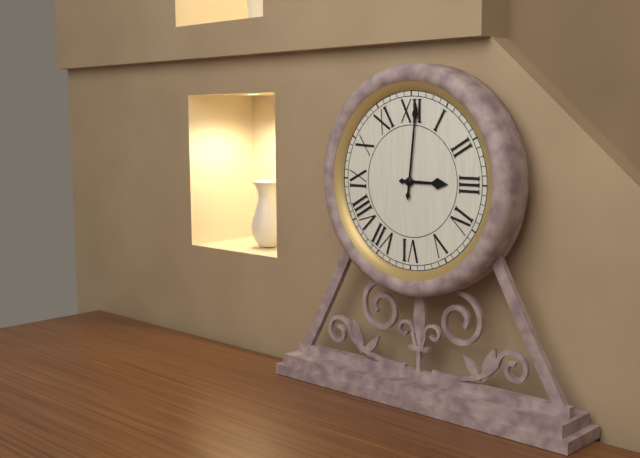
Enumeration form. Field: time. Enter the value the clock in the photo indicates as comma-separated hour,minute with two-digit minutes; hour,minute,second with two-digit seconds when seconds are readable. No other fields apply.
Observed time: 3,01
